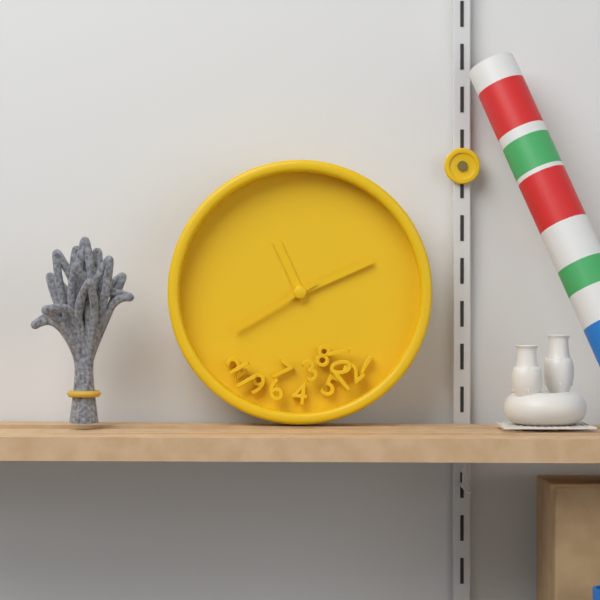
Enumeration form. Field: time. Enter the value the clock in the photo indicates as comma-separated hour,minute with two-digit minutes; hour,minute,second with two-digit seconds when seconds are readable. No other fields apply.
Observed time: 11,11,40
